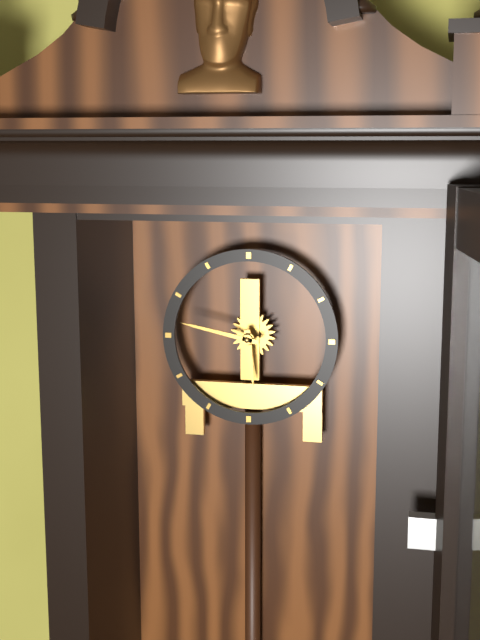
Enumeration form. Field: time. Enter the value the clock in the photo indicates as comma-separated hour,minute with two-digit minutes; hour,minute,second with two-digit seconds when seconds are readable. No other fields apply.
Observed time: 5,47
